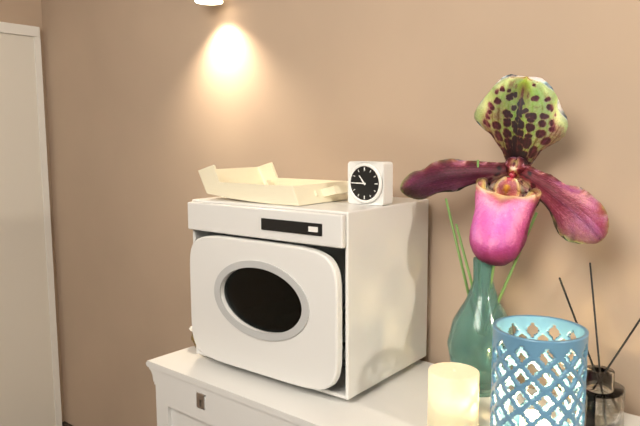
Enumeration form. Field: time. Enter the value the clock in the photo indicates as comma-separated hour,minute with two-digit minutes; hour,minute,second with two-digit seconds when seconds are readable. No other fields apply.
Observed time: 10,45
